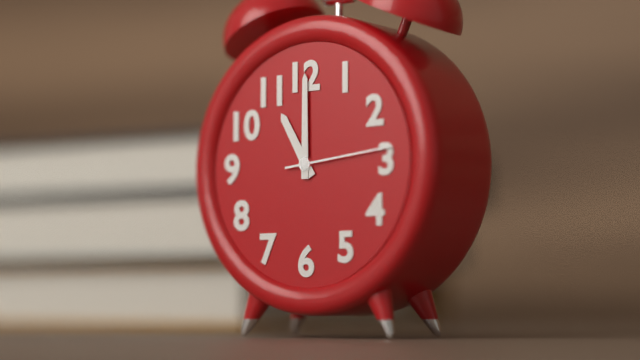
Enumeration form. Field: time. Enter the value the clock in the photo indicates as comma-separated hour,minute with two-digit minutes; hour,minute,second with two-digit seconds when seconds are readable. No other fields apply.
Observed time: 11,00,14
